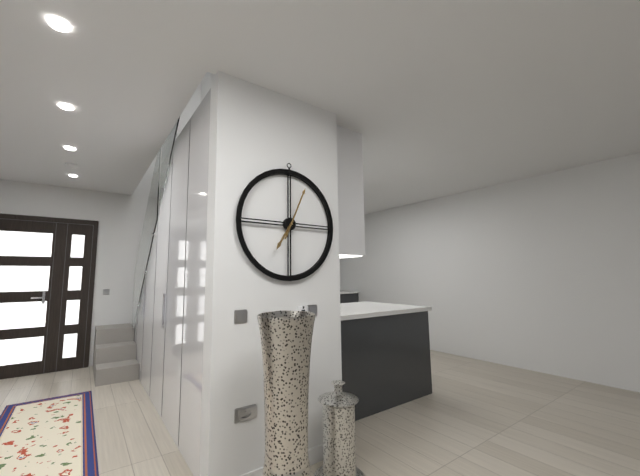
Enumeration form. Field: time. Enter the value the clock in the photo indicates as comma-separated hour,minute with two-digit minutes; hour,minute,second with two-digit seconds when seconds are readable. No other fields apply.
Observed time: 7,04
